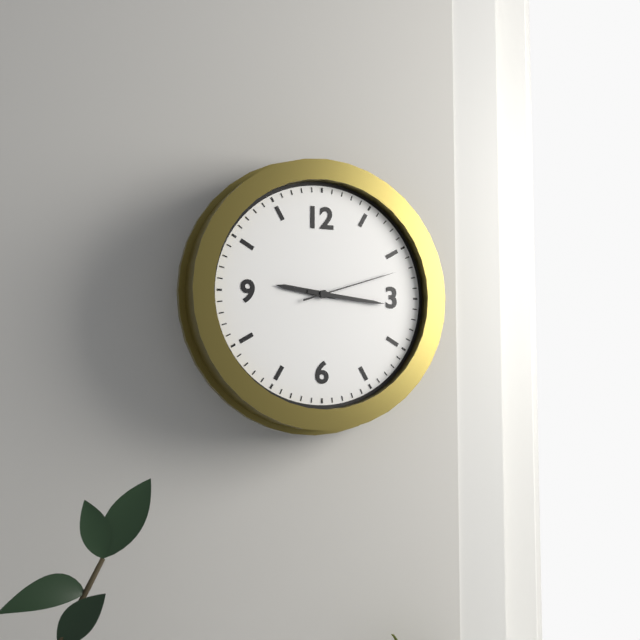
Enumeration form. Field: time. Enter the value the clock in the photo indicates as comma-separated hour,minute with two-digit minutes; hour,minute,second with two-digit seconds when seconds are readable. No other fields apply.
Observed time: 9,16,12
